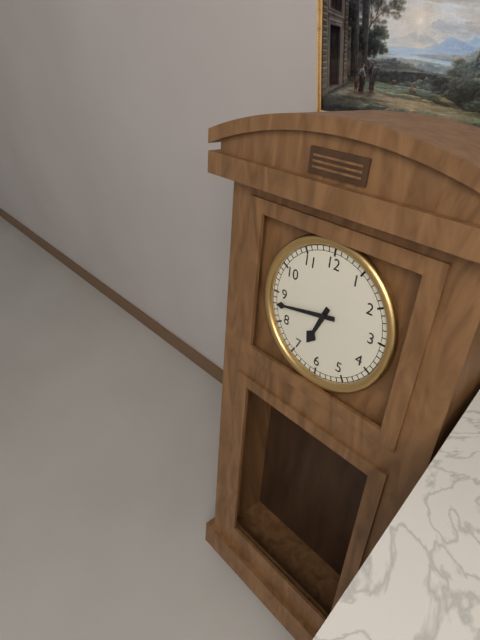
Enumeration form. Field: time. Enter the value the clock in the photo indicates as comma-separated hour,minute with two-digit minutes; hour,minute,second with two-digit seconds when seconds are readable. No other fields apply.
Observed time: 6,43
